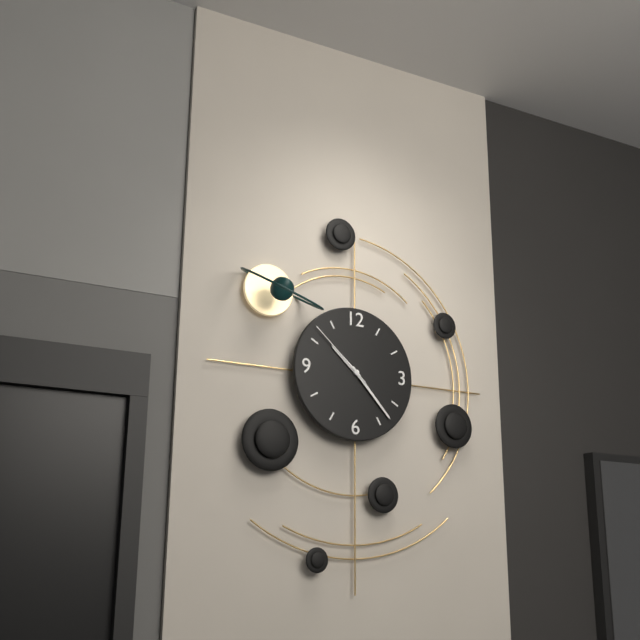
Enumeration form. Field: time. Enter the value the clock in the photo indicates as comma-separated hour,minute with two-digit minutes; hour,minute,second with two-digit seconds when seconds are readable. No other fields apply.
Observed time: 10,23,52
